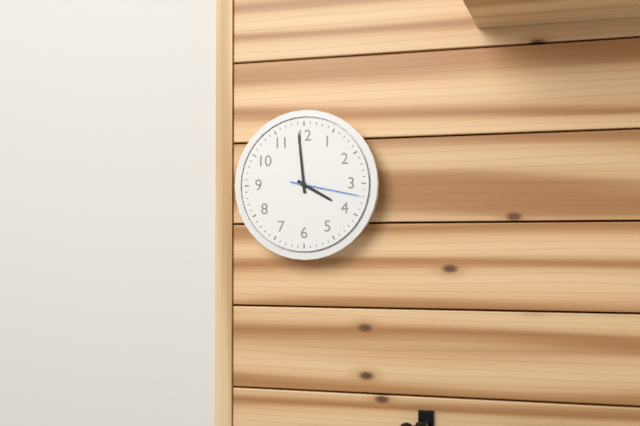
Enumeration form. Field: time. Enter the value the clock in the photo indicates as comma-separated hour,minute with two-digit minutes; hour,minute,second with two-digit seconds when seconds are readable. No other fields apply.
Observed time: 3,59,17
